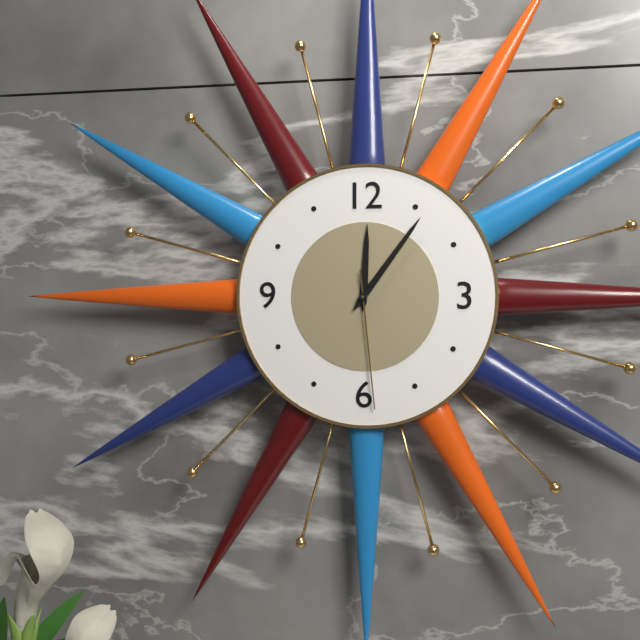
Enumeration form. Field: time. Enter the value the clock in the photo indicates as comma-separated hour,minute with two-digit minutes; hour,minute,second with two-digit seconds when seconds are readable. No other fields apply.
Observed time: 12,06,29
